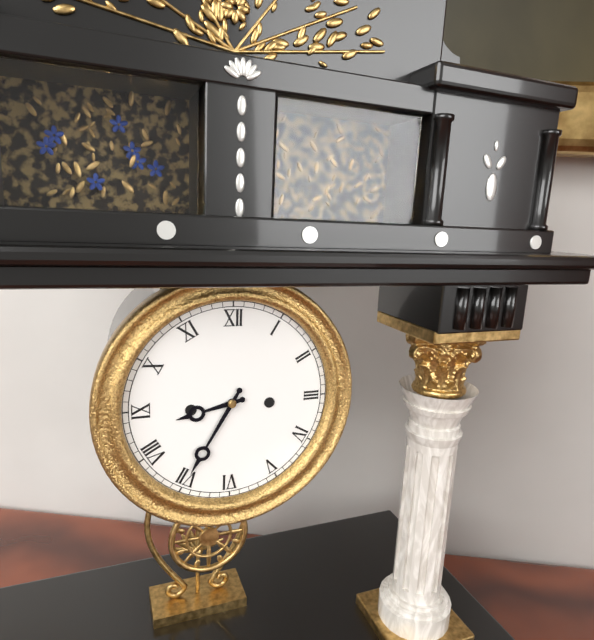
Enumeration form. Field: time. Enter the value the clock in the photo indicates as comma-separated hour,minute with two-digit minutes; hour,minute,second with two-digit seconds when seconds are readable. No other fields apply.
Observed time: 8,35
